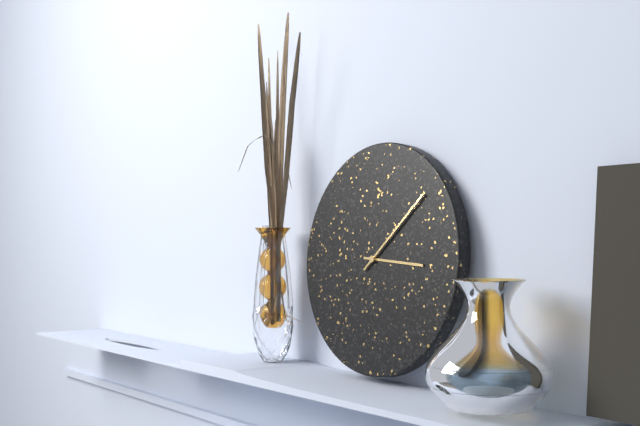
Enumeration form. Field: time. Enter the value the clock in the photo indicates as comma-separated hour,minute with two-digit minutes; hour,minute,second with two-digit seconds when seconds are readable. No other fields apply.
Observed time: 3,08
